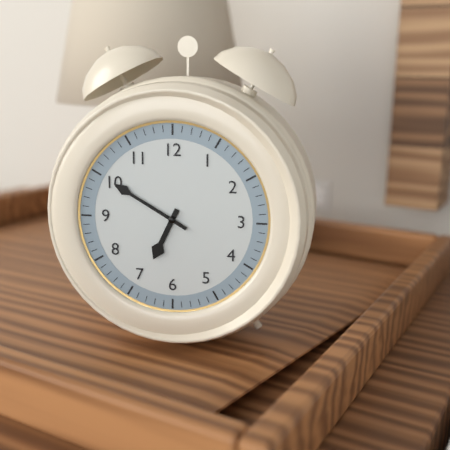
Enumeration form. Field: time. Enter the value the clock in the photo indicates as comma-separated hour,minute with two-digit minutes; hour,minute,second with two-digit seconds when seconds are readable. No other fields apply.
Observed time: 6,50
